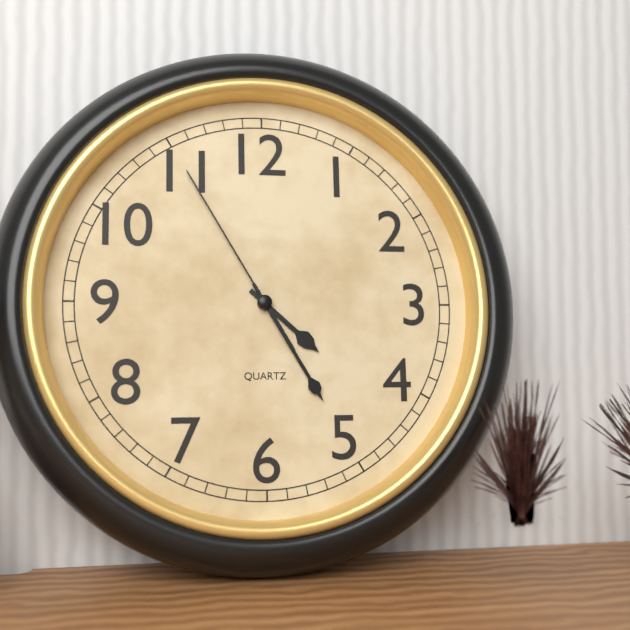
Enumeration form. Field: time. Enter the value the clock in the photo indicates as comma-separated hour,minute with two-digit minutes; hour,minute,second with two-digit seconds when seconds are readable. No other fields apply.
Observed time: 4,25,55
